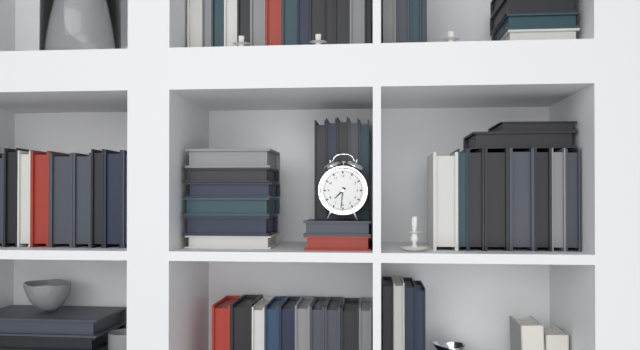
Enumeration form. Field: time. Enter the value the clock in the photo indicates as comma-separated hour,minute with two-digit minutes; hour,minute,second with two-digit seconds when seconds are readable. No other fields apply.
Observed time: 7,31
